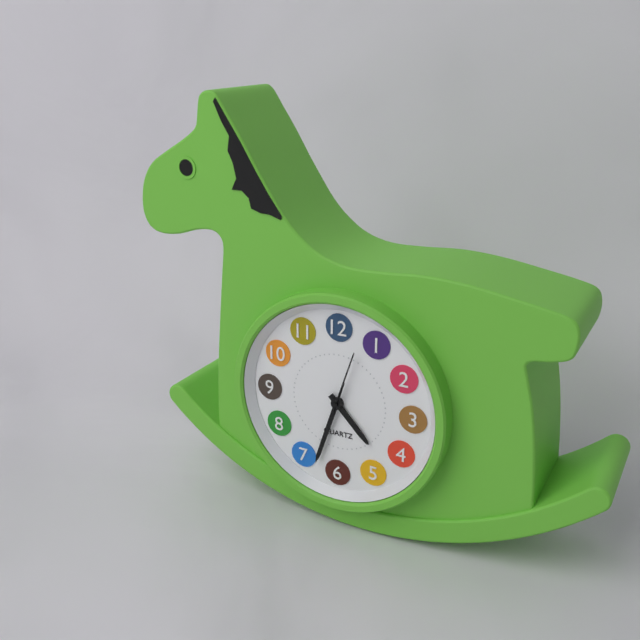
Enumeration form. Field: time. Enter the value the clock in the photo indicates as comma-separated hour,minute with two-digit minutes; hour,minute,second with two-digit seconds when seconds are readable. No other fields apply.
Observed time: 4,33,03
